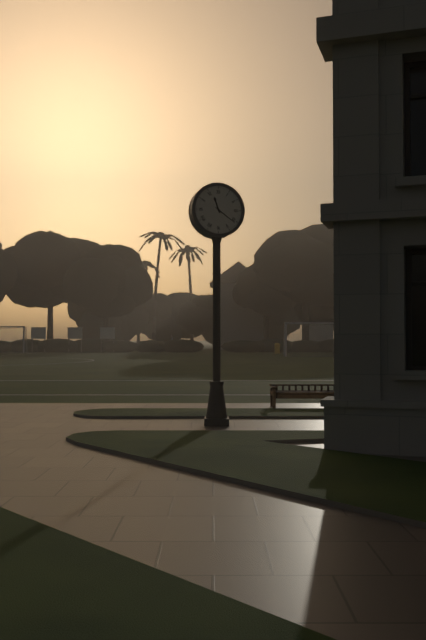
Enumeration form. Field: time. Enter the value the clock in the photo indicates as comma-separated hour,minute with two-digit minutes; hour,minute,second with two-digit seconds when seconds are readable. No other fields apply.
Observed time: 11,21
